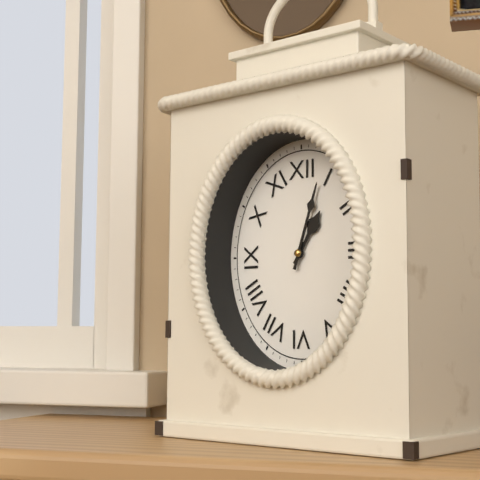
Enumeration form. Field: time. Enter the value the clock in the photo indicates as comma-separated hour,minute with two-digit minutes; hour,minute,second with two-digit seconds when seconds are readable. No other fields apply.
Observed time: 1,03
